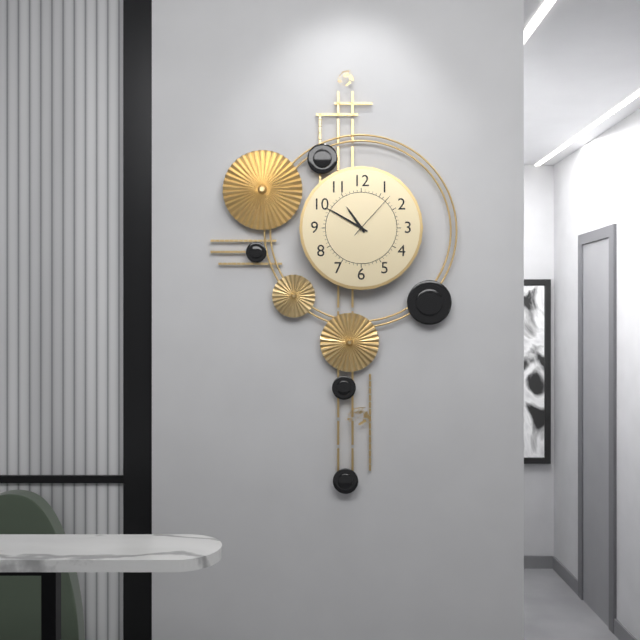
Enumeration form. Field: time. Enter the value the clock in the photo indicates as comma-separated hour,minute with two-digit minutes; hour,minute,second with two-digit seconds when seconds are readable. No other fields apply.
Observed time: 10,50,07
